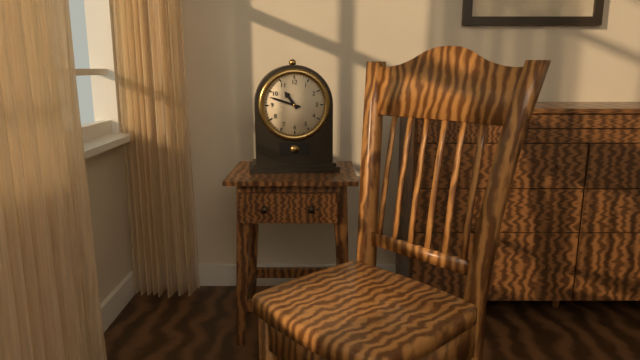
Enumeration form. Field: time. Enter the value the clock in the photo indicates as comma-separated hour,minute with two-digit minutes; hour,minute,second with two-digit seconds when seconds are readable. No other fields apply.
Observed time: 10,48
